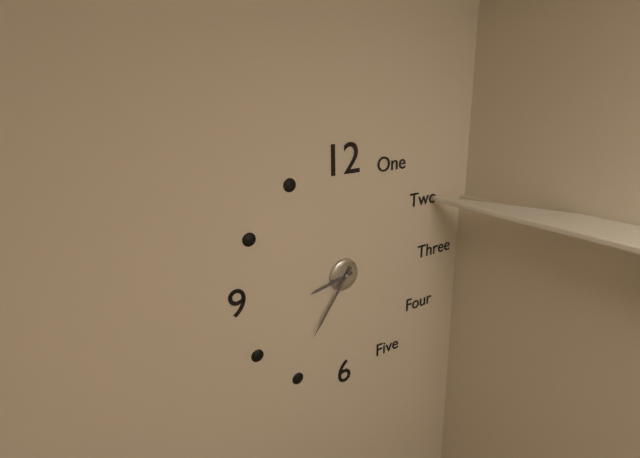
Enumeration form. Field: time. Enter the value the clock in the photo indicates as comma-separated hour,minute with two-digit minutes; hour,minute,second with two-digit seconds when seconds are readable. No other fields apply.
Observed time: 8,36
